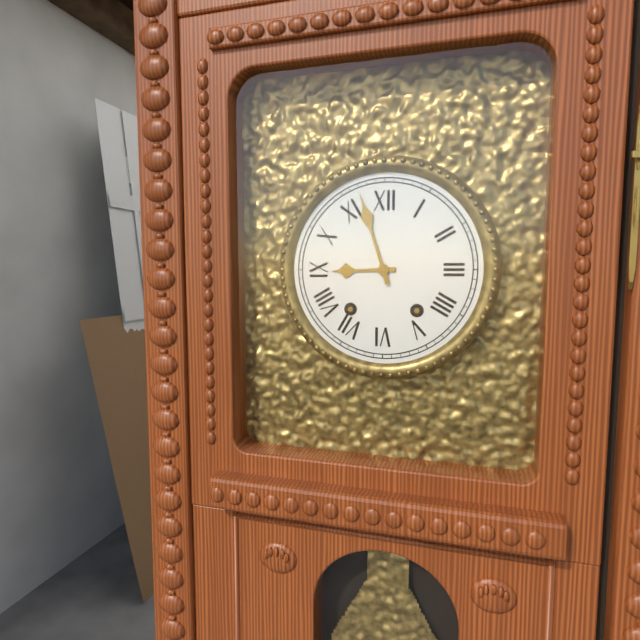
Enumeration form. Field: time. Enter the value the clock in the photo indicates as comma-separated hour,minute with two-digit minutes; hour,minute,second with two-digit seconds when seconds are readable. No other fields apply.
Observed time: 8,57
